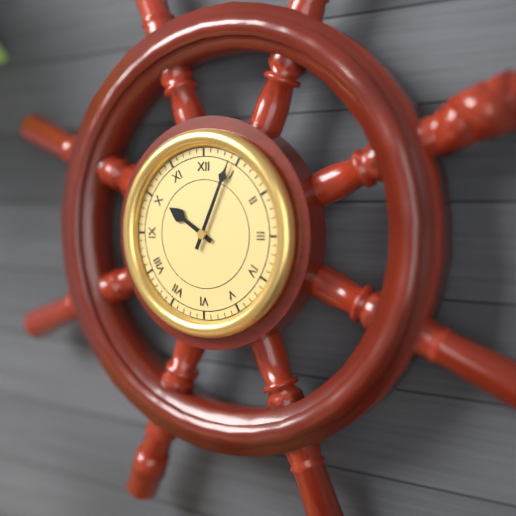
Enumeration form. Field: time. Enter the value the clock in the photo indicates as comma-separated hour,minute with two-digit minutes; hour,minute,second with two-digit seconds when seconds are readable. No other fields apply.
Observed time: 10,04
